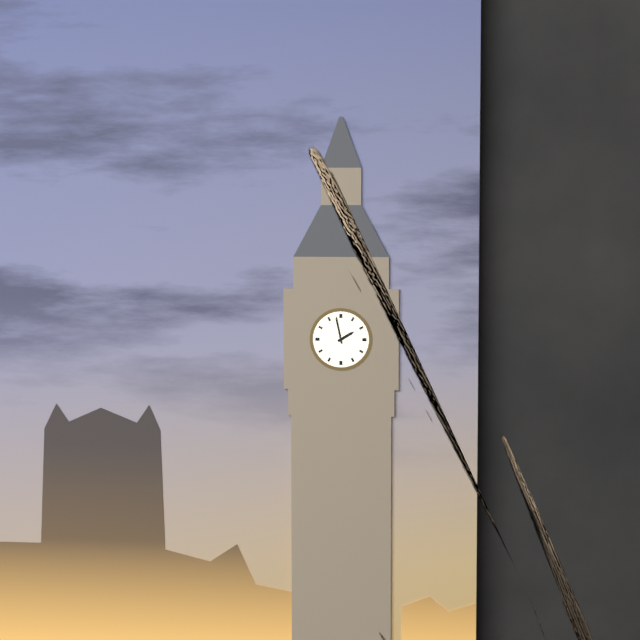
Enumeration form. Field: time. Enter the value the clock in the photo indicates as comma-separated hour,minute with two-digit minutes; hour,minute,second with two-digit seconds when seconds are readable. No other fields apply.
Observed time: 1,58
